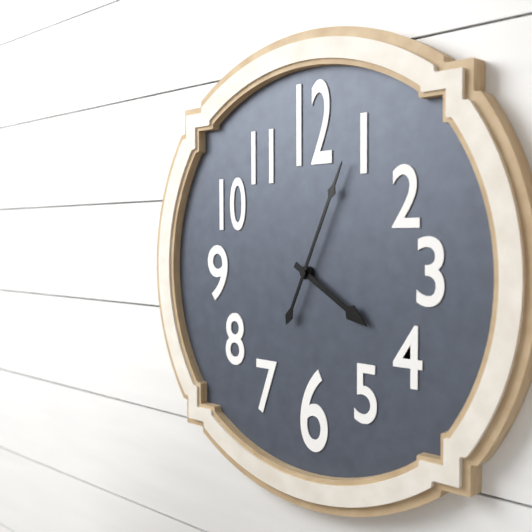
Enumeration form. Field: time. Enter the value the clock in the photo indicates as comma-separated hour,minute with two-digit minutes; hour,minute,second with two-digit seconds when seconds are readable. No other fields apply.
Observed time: 4,04
